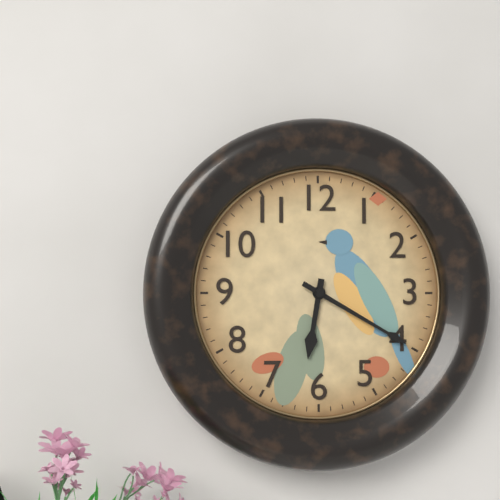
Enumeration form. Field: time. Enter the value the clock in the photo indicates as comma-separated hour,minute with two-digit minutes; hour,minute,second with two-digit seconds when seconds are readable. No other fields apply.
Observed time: 6,20
